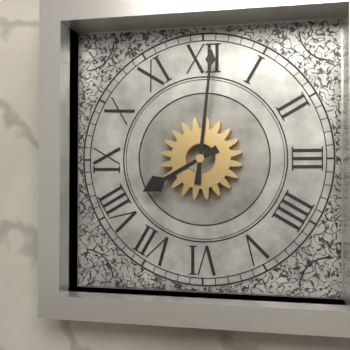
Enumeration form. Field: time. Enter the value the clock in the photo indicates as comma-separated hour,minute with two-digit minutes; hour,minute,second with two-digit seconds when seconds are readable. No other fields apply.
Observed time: 8,01
